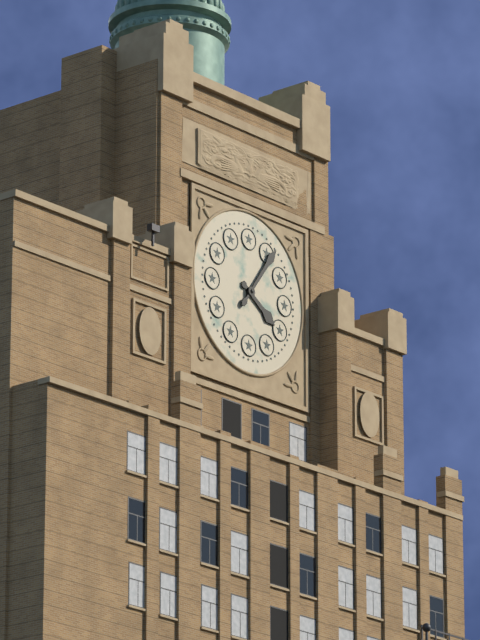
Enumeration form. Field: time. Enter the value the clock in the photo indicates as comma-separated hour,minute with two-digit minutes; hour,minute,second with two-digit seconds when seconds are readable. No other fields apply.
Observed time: 4,06
